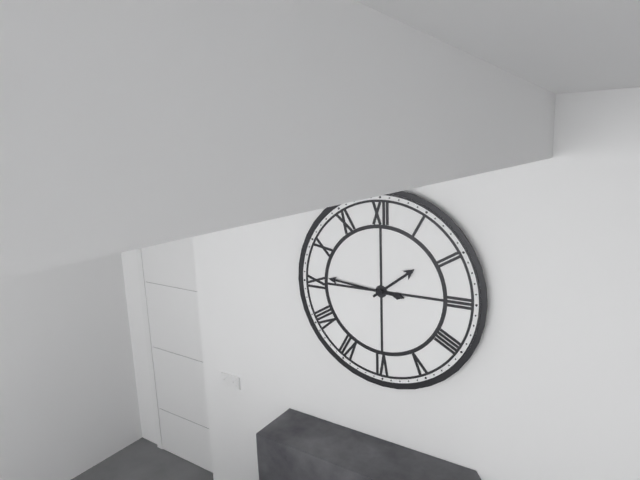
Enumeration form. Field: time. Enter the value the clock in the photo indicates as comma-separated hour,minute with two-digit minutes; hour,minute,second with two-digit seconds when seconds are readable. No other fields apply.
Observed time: 1,46
